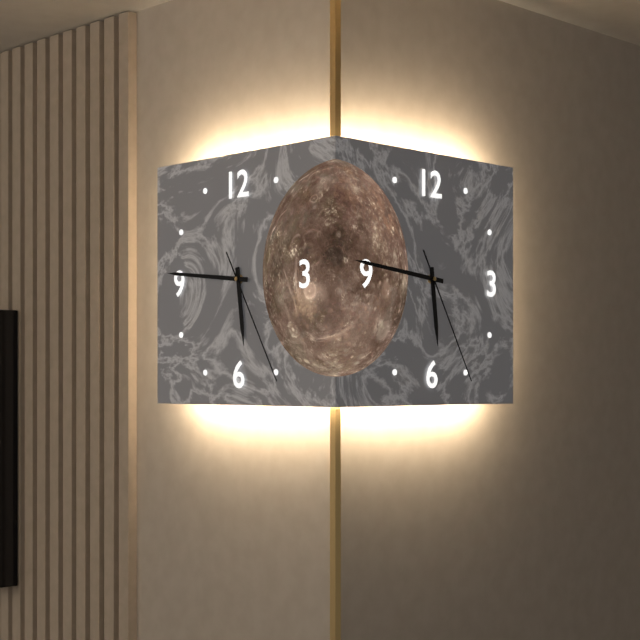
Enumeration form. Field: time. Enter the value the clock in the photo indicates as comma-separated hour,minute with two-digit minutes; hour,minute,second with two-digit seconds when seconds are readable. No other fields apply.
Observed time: 5,46,25
